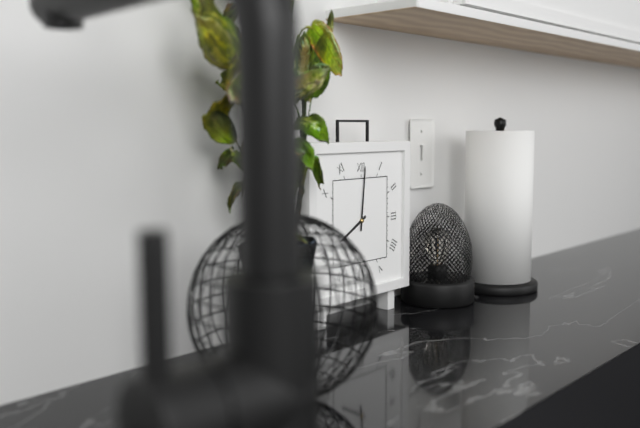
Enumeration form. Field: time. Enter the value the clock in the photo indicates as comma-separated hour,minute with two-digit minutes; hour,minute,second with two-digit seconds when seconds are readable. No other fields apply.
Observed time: 8,01
